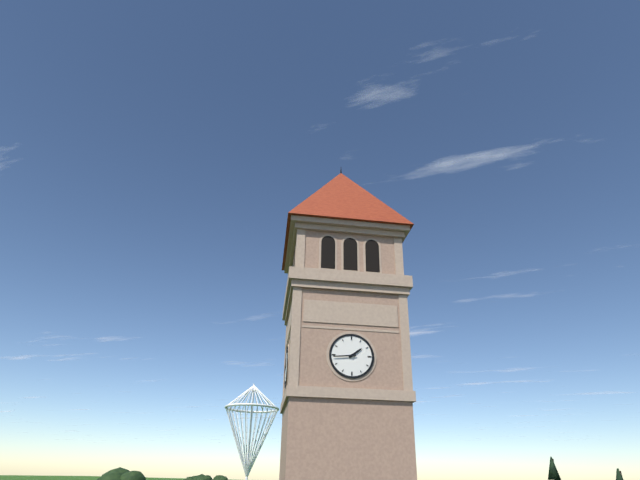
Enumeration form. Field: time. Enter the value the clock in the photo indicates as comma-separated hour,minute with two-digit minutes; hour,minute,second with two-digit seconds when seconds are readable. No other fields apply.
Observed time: 1,44
